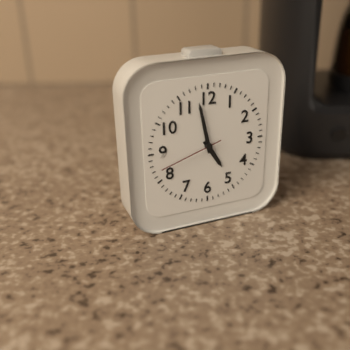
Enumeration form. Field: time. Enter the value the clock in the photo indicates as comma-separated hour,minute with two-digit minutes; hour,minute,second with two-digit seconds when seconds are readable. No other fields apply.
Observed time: 4,58,42
